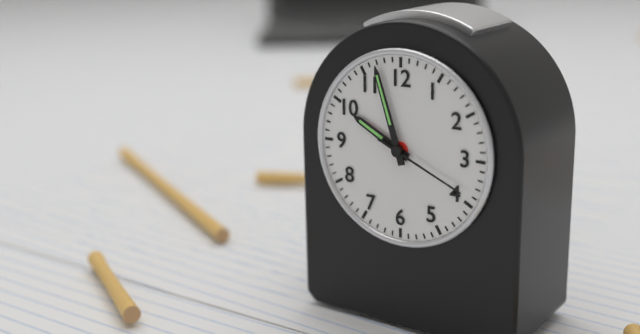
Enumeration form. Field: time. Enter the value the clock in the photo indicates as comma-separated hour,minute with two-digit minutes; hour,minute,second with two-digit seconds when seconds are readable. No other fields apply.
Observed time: 9,57,19
